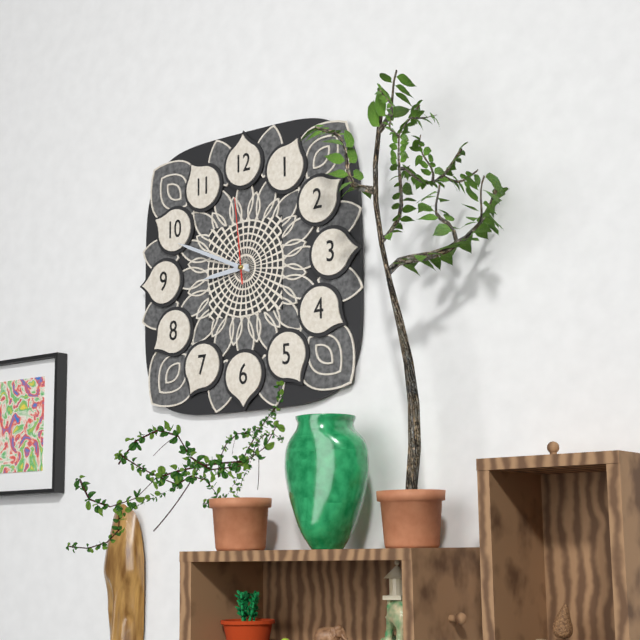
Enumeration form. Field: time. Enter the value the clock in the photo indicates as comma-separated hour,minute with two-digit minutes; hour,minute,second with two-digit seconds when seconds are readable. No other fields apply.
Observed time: 8,49,59
